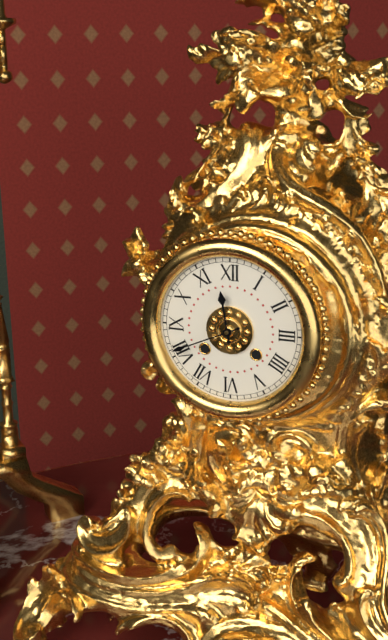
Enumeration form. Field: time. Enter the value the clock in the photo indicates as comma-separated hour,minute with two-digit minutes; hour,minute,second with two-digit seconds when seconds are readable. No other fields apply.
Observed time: 11,41
